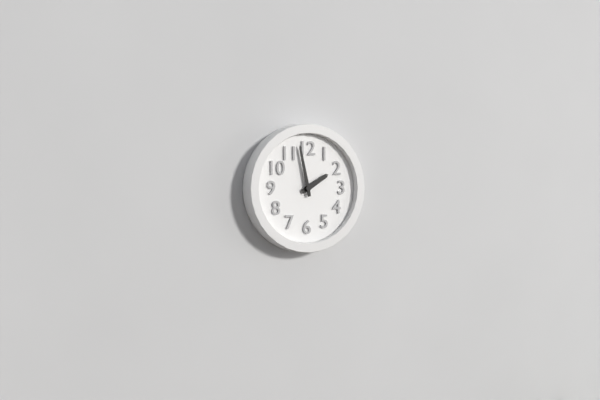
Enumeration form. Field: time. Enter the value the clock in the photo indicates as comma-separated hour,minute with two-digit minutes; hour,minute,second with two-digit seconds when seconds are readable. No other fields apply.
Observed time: 1,58
